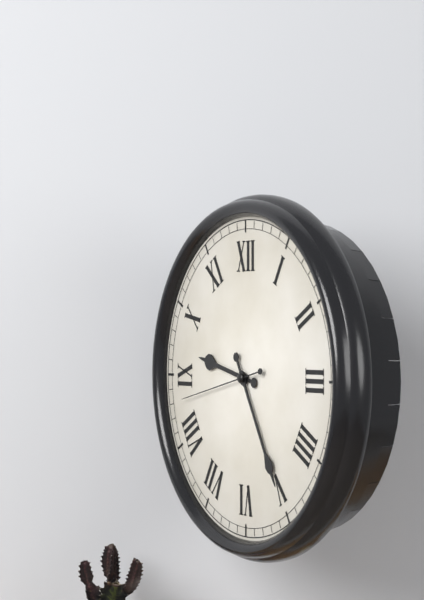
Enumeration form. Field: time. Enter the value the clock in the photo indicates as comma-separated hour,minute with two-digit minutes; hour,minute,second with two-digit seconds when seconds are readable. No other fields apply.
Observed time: 9,25,43
